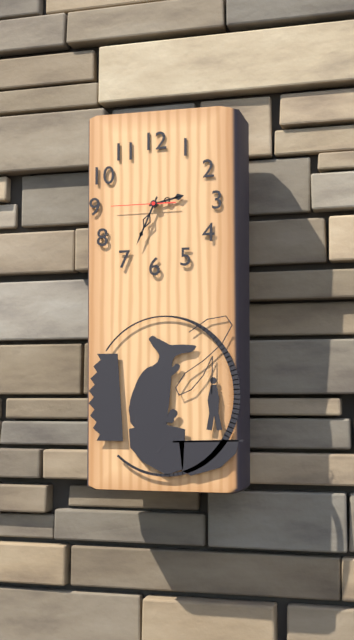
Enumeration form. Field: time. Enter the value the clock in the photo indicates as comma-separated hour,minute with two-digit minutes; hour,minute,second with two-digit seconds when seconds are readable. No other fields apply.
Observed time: 2,34,45
